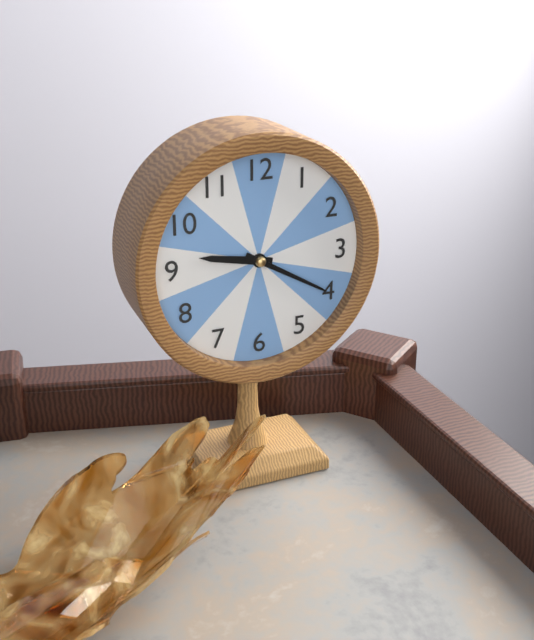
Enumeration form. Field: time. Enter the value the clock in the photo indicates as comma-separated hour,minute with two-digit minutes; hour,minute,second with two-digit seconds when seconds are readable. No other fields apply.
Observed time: 9,20
